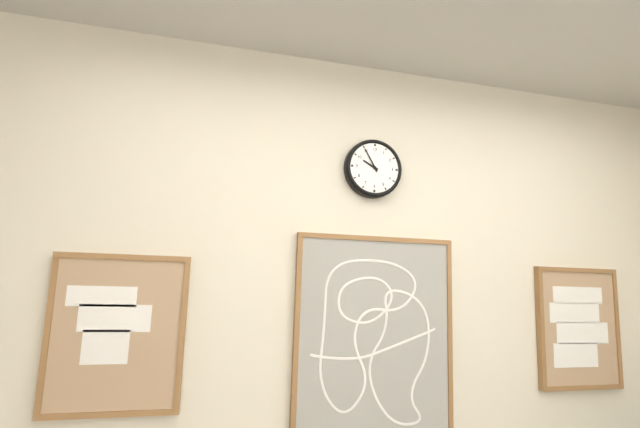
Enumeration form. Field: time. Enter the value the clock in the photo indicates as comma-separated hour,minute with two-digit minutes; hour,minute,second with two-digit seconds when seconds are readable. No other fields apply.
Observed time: 9,55
